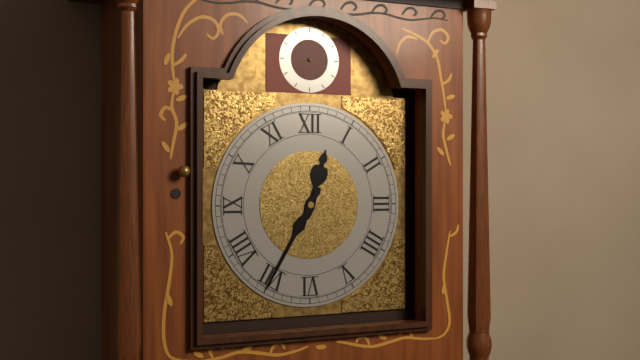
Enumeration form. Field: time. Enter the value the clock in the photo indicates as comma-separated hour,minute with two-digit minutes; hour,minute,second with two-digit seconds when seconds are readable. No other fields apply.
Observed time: 12,35
